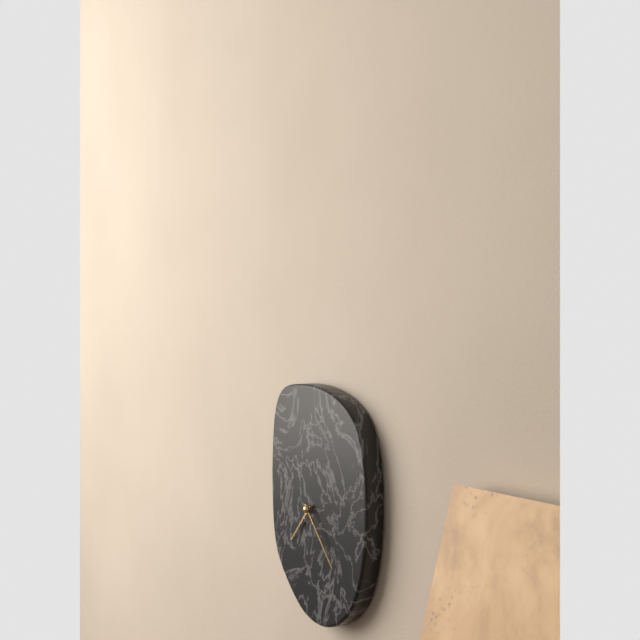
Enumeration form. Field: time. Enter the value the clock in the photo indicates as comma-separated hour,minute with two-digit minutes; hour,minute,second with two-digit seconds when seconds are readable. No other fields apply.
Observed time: 7,23
